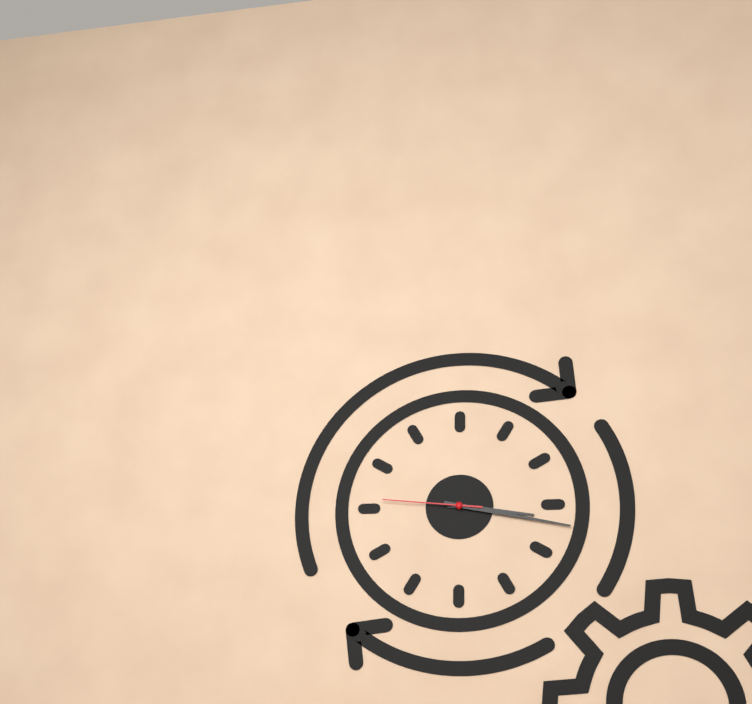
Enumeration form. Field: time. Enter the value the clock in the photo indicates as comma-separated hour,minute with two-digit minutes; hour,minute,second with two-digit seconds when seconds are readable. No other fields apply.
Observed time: 3,17,46
